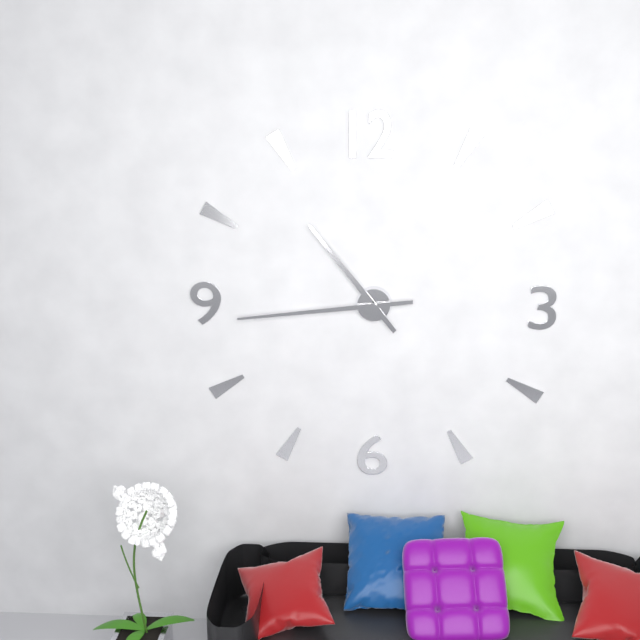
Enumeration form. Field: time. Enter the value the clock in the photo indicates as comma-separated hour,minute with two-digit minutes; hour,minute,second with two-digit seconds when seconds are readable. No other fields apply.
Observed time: 10,44
